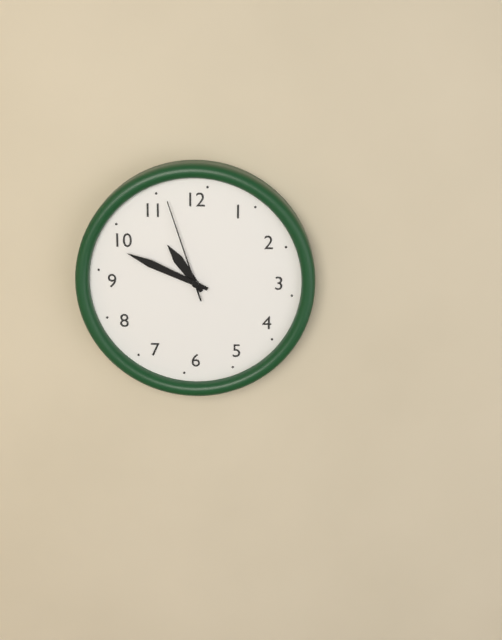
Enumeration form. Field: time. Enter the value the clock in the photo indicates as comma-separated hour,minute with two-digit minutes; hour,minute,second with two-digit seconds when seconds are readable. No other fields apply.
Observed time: 10,49,57
